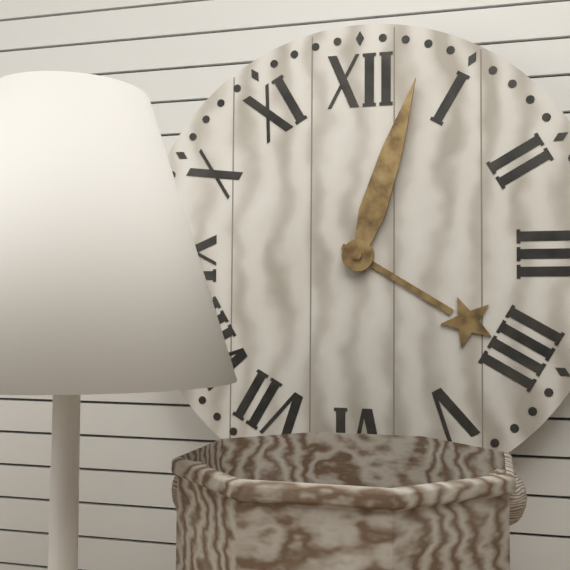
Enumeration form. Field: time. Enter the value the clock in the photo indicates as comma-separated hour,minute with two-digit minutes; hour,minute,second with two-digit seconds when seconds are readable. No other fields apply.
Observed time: 4,03
